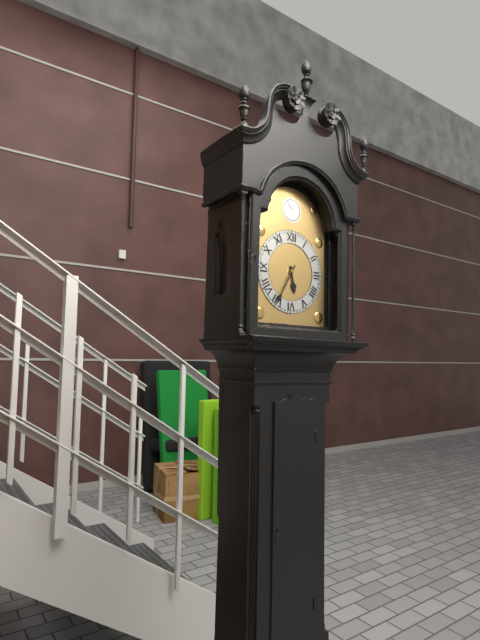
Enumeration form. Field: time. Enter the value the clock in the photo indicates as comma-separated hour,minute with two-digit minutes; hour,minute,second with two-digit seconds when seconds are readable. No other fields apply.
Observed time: 5,35
